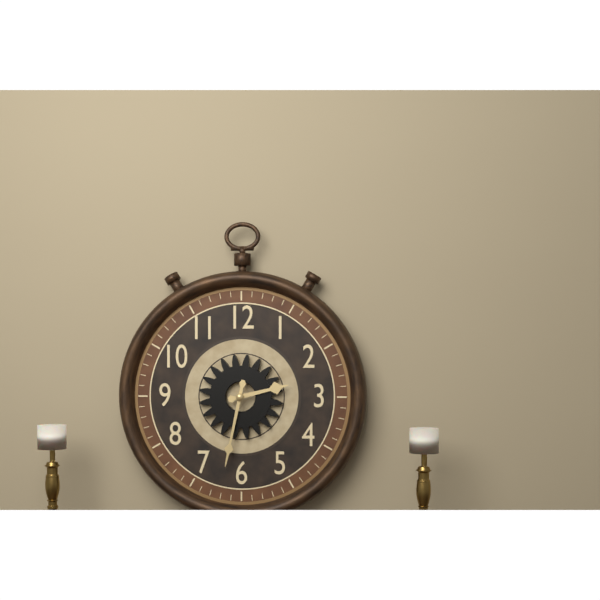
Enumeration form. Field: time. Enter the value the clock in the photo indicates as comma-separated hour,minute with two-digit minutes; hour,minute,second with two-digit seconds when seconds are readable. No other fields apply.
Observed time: 2,32
